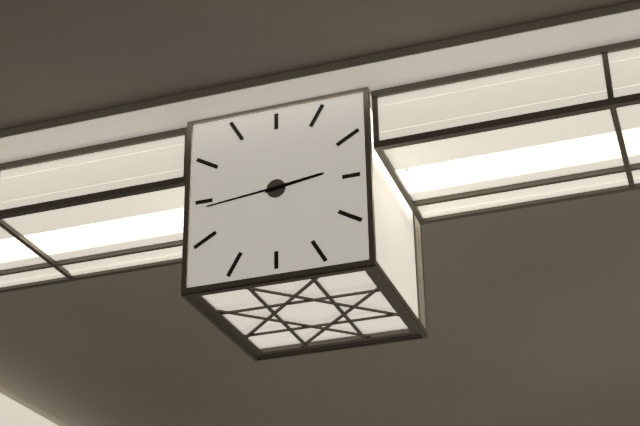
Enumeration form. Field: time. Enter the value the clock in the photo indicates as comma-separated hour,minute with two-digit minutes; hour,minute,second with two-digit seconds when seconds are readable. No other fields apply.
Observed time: 2,44
